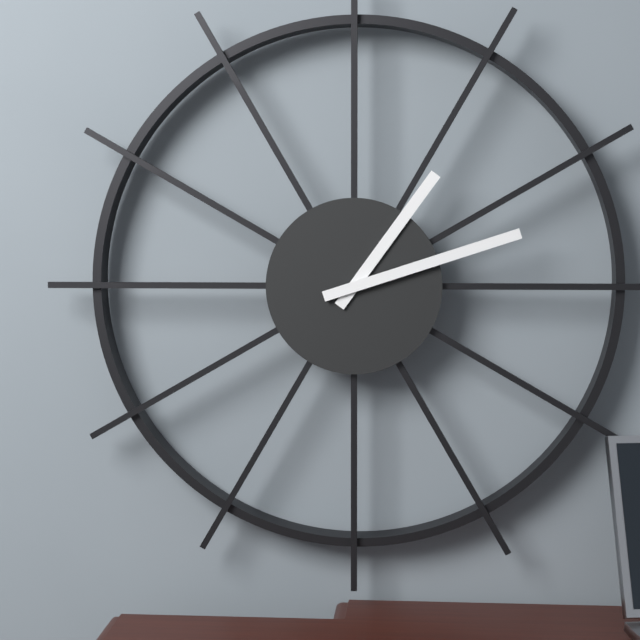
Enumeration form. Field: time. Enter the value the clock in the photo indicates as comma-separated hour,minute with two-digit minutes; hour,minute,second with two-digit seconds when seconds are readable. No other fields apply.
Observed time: 1,12
